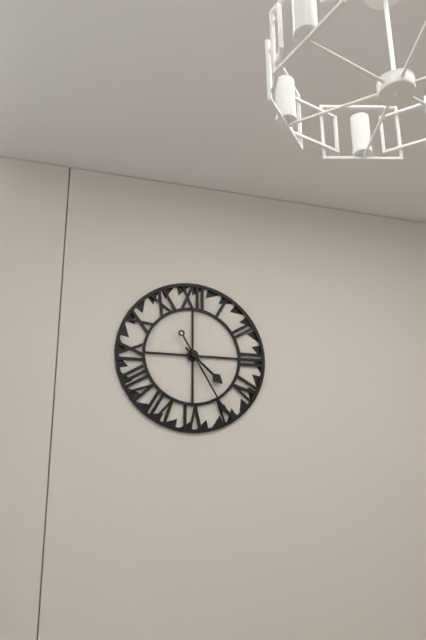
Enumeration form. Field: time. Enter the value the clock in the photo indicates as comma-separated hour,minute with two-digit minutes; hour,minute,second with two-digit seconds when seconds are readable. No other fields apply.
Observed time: 4,25
